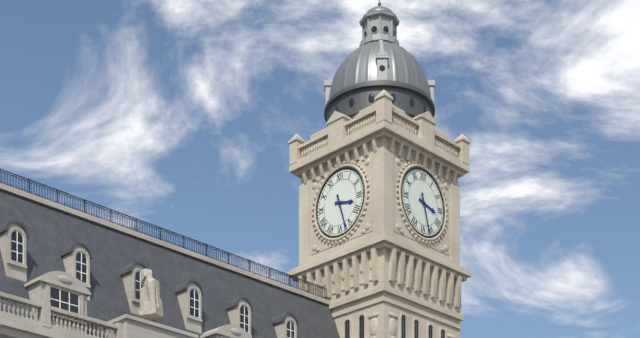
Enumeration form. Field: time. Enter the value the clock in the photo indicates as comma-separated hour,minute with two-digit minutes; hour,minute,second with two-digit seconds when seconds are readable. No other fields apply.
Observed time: 3,27
